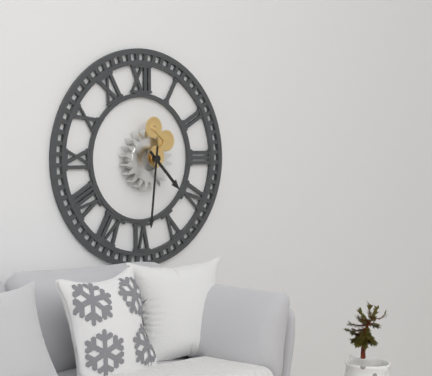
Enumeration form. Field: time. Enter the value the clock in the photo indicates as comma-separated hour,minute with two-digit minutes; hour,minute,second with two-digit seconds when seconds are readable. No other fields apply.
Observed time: 4,31
